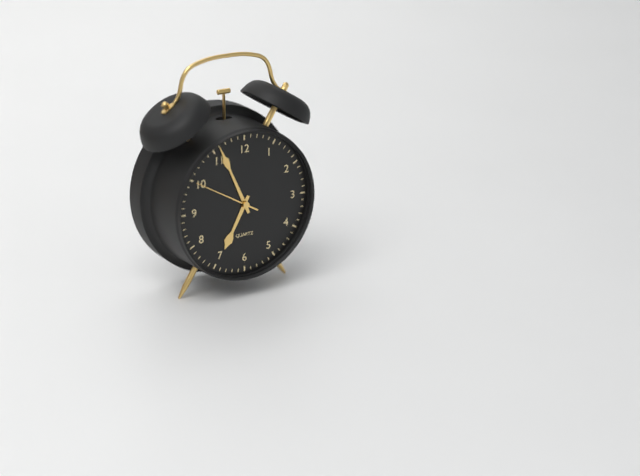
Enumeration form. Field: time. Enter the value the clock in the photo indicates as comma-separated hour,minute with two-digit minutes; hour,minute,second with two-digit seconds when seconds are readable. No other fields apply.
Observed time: 6,56,50
